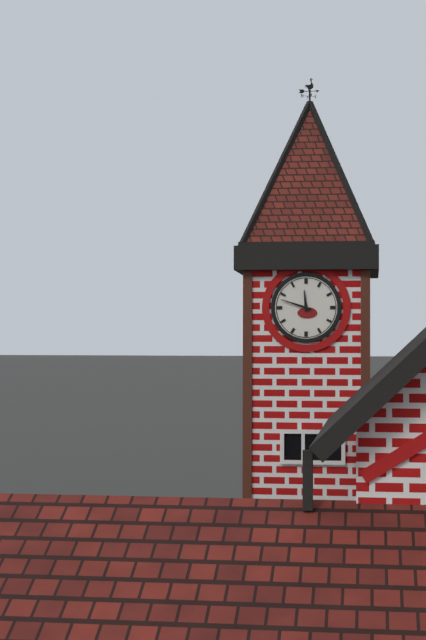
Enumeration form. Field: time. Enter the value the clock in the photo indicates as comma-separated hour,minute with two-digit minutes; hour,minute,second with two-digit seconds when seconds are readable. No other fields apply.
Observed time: 11,48
